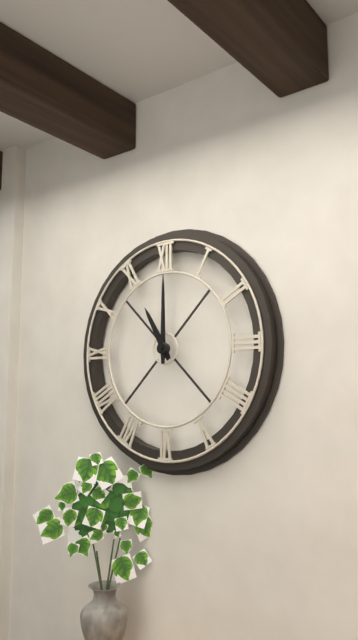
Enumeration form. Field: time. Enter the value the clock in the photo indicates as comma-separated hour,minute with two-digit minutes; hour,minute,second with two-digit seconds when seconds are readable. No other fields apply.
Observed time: 11,00
